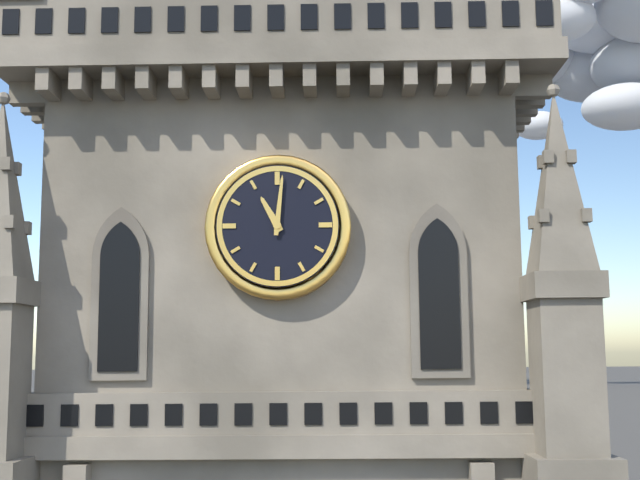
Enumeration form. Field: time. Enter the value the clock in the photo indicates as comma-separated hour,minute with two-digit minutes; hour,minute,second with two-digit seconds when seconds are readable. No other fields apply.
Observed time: 11,01
